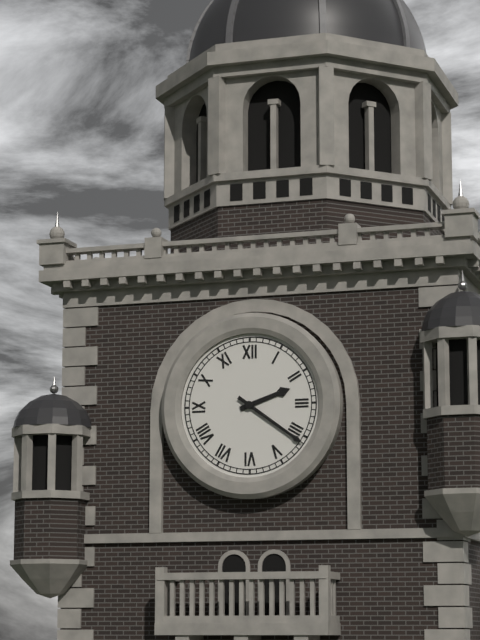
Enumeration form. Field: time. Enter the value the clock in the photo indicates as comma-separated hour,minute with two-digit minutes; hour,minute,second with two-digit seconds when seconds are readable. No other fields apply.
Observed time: 2,21
